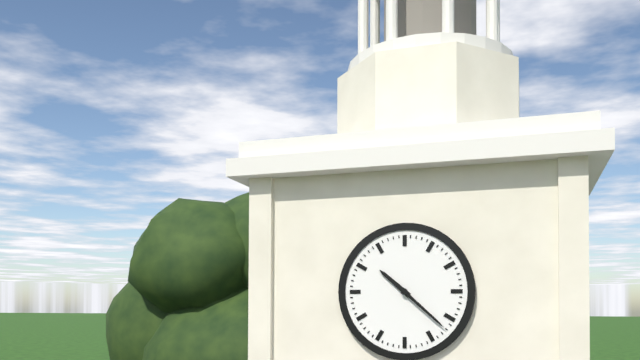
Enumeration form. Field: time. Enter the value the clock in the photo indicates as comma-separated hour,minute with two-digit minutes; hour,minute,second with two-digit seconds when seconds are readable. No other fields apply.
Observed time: 10,22
